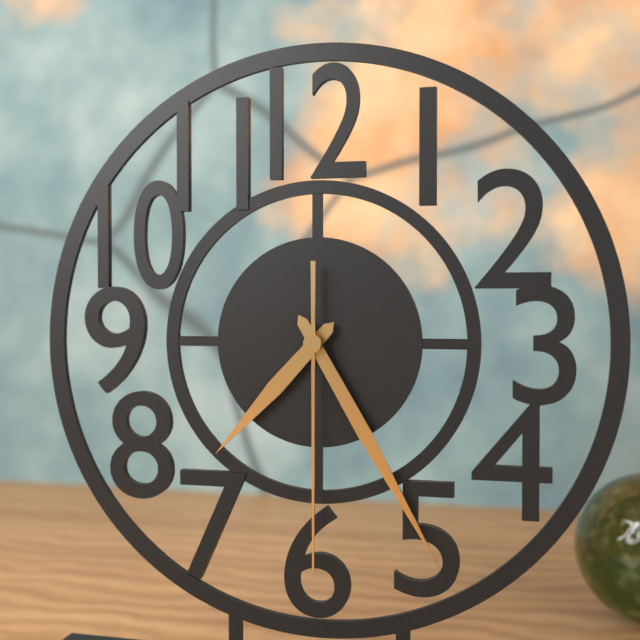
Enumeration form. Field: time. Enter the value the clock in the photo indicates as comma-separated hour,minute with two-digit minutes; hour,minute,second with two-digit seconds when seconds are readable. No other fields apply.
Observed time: 7,25,30
